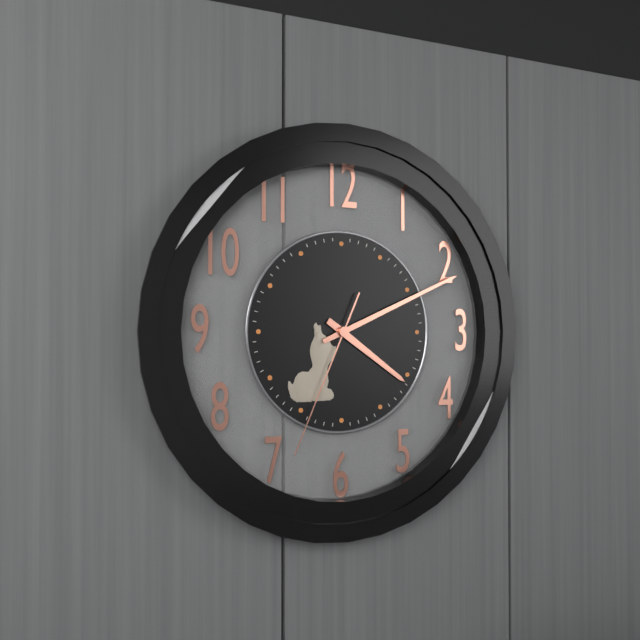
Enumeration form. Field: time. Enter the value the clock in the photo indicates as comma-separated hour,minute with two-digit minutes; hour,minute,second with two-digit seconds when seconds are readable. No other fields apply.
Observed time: 4,11,34
